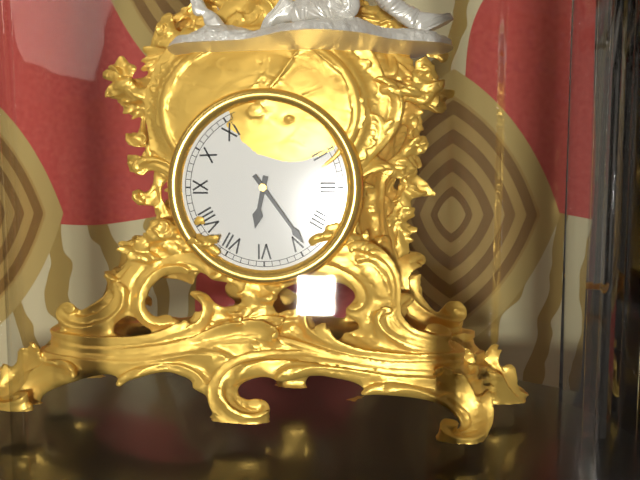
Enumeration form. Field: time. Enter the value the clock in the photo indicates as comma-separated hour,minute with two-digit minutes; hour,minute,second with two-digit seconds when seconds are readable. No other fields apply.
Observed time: 6,24
